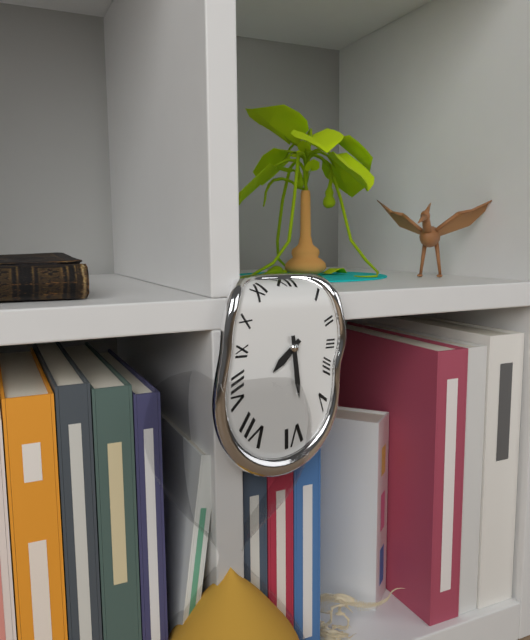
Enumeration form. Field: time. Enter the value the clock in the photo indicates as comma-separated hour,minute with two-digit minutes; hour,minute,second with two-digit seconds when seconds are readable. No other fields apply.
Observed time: 7,29
